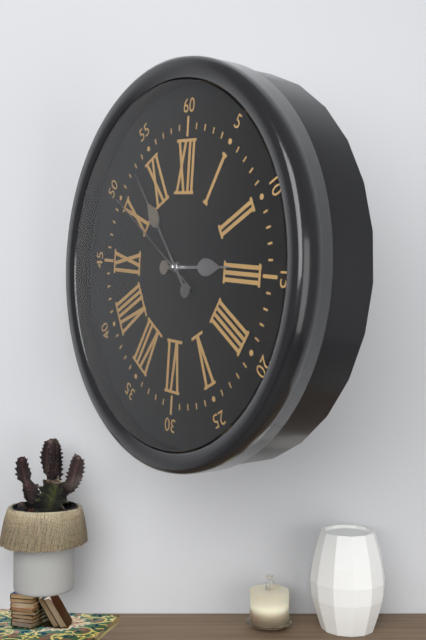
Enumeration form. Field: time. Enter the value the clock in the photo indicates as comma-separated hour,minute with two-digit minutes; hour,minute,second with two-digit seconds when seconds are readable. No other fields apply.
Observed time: 2,53,50
